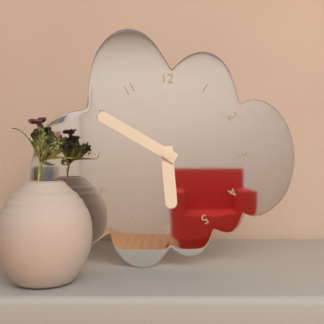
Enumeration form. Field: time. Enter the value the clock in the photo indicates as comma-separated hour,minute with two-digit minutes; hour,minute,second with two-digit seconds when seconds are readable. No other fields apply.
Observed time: 5,50
